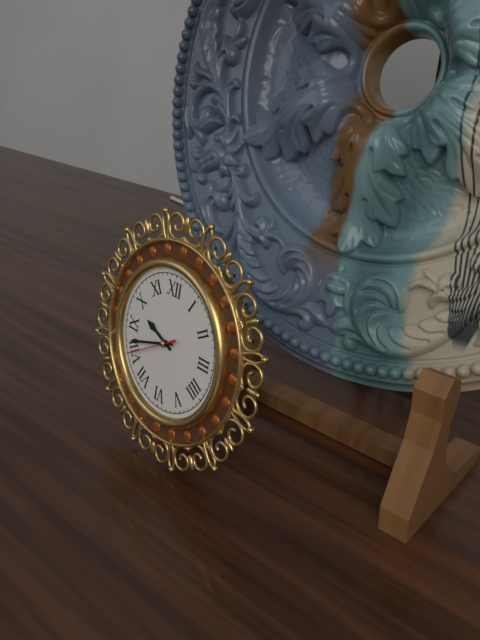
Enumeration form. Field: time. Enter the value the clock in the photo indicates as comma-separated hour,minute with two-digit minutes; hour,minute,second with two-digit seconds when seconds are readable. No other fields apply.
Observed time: 9,42,40
